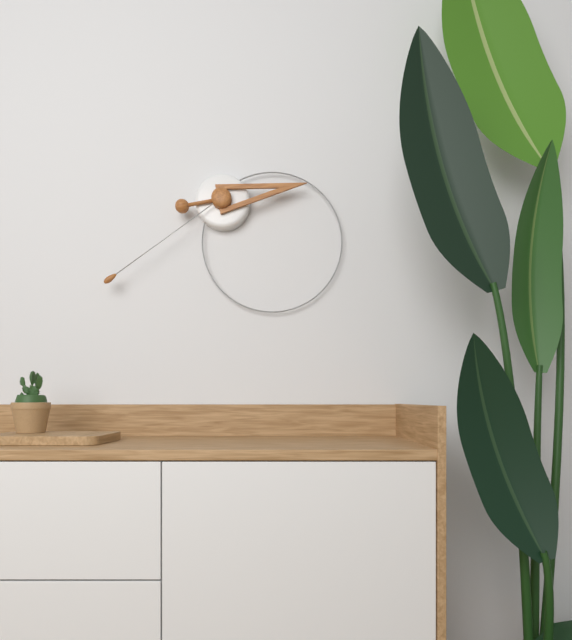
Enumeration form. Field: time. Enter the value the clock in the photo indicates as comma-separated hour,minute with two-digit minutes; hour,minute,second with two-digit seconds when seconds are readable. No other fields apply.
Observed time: 2,39
